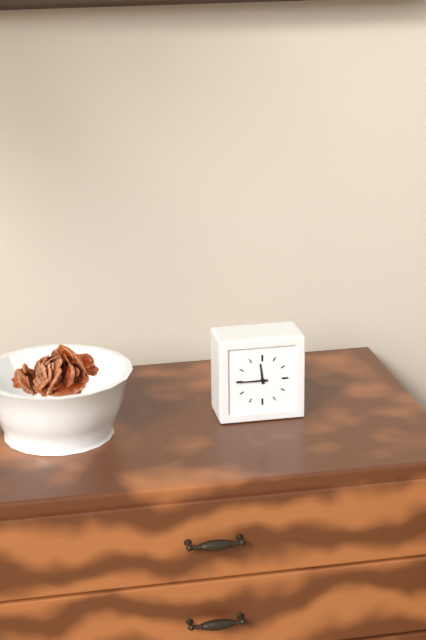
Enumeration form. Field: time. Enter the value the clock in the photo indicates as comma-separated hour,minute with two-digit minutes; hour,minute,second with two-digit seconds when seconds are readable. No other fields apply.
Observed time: 11,45
